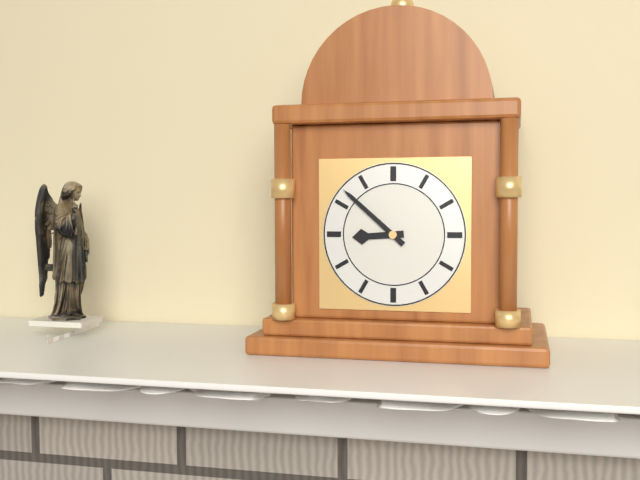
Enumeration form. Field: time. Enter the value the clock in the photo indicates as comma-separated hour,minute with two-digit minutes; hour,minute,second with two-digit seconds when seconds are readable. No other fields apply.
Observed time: 8,52
